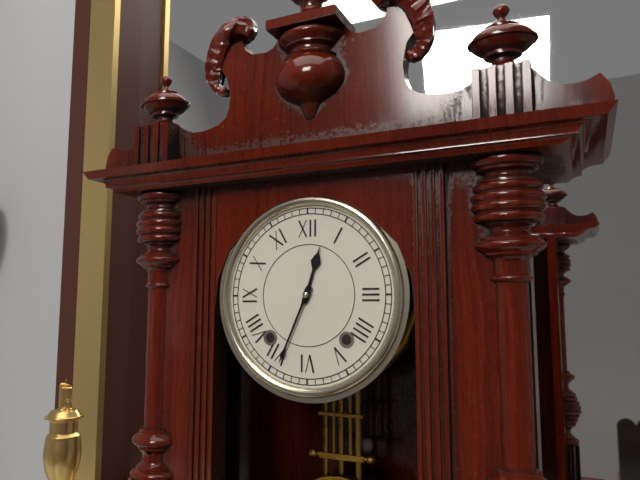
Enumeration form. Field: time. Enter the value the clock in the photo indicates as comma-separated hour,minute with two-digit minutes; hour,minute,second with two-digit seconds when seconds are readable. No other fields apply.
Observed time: 12,34
